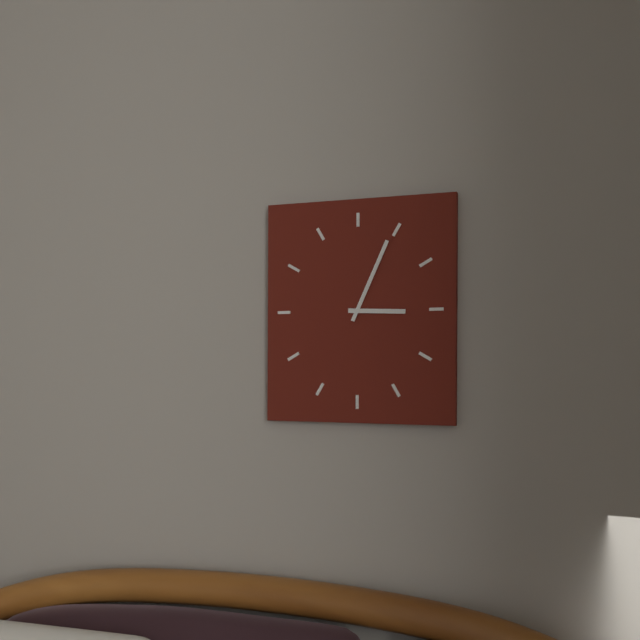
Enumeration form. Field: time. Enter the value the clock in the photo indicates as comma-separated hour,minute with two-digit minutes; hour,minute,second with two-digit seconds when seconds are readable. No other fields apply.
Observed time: 3,04
